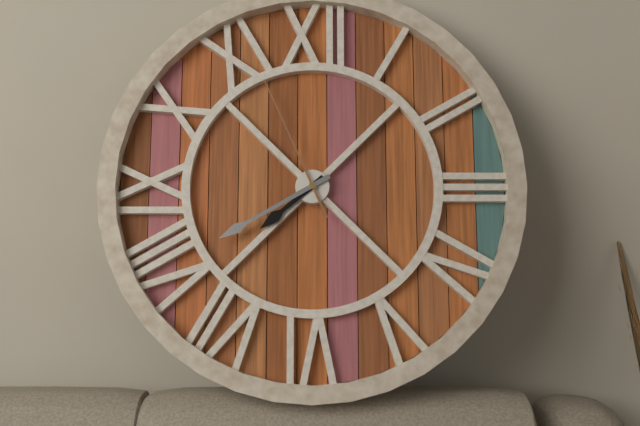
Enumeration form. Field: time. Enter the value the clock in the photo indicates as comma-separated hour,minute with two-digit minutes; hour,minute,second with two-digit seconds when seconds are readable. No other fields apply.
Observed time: 7,40,56
